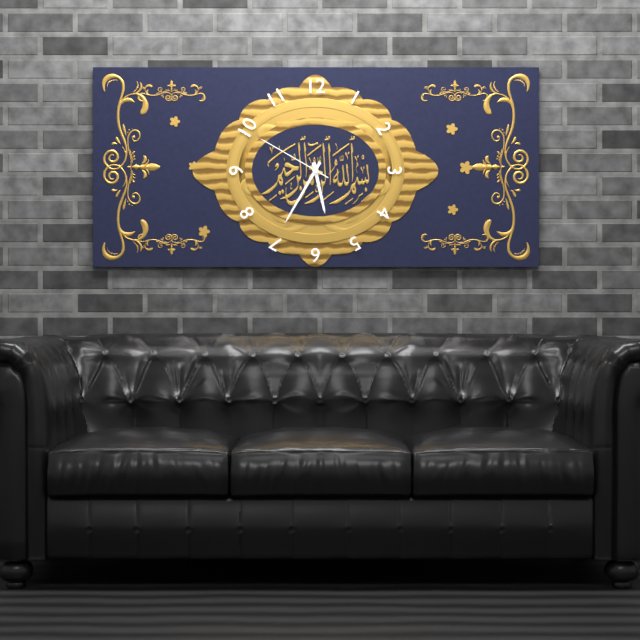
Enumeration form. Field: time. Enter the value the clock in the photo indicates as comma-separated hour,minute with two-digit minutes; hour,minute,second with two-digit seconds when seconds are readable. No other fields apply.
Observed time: 5,35,50
